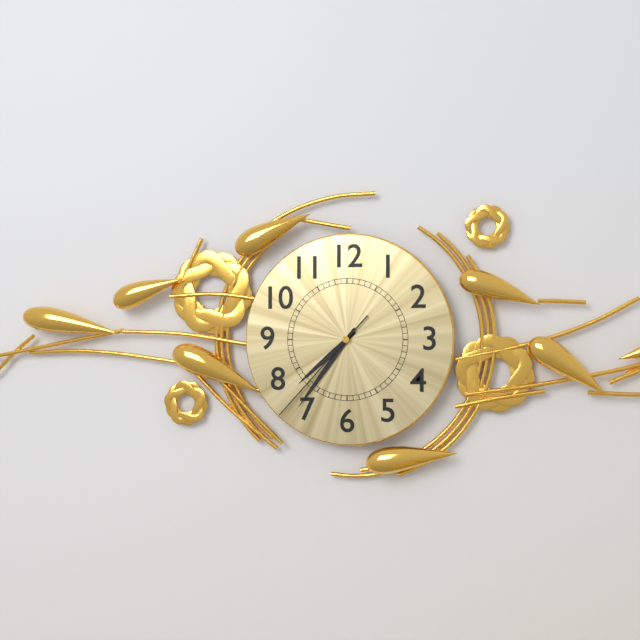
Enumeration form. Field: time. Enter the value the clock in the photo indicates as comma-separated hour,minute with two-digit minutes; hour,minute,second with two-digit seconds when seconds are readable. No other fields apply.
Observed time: 7,36,37
